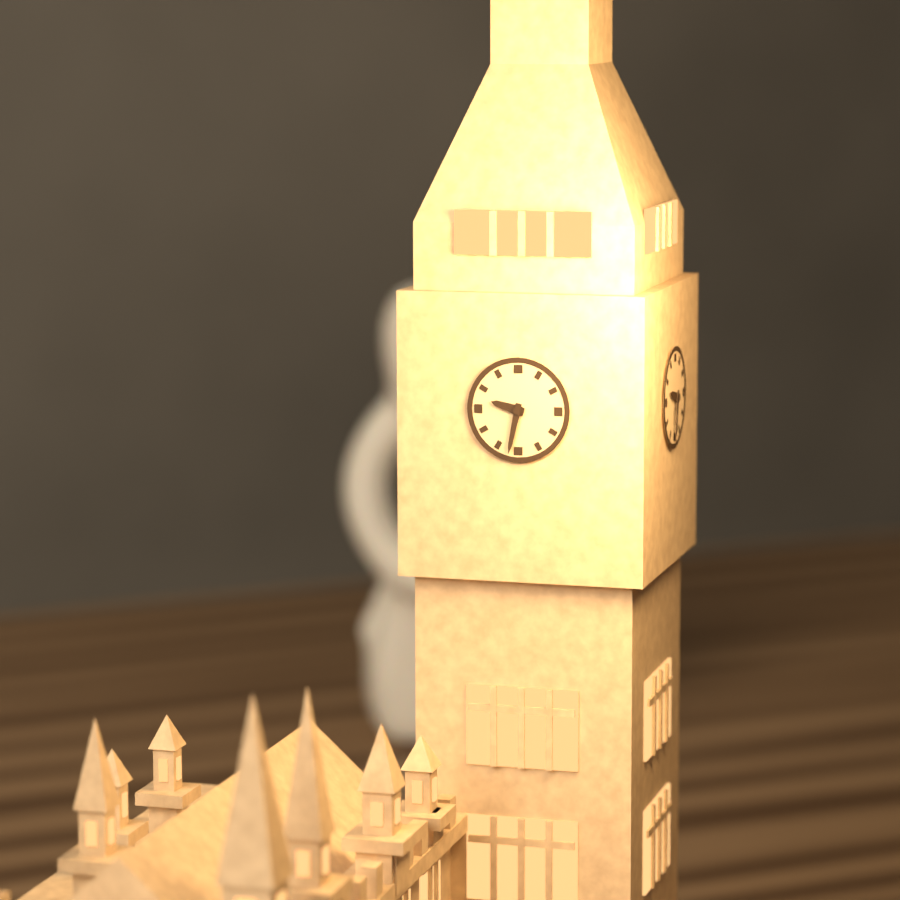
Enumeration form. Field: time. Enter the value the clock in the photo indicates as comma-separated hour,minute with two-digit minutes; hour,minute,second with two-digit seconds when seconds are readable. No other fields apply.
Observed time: 9,32
